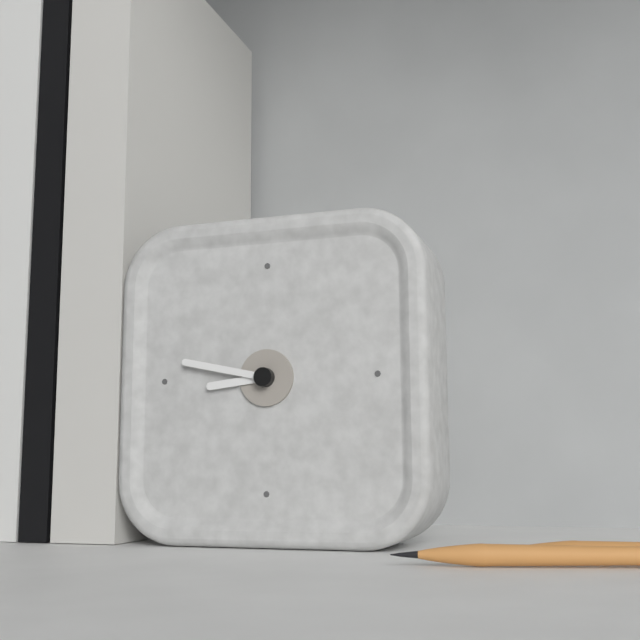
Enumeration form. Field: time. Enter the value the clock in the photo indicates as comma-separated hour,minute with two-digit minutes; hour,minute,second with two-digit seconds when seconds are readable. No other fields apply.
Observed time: 8,47
